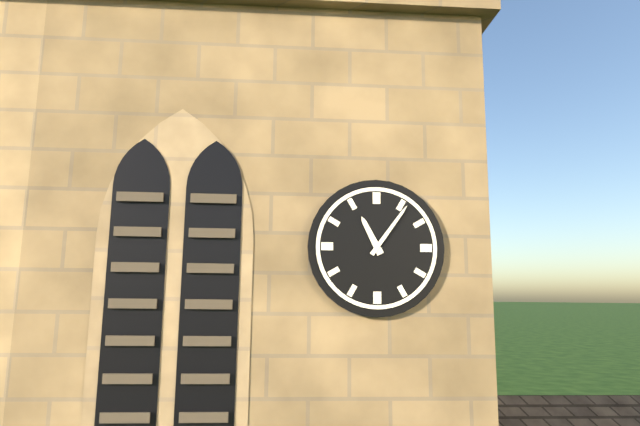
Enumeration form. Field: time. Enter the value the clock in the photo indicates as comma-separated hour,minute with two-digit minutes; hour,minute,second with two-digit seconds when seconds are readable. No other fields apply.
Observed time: 11,06
